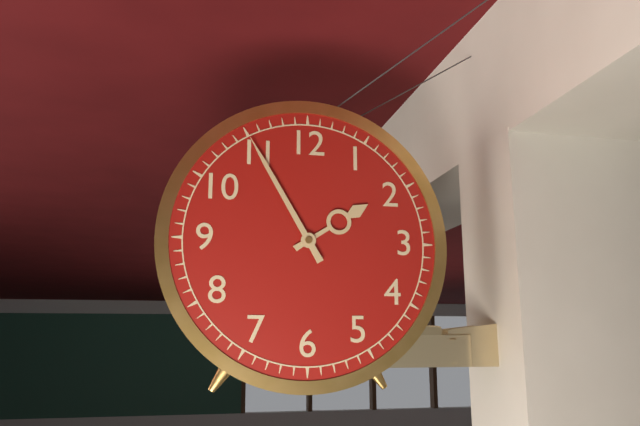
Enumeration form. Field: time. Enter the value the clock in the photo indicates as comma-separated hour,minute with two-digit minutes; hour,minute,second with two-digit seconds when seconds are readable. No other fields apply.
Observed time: 1,55
